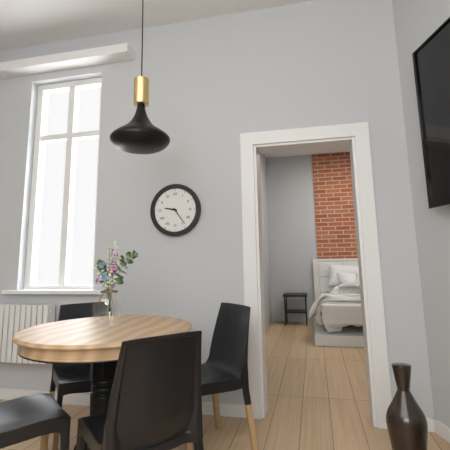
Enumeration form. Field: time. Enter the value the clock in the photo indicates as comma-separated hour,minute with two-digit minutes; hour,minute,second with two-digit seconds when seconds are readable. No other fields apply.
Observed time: 9,24
